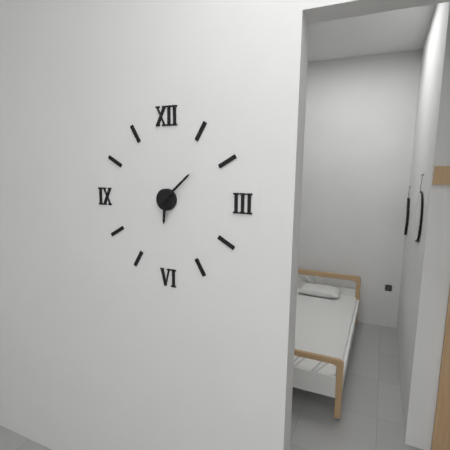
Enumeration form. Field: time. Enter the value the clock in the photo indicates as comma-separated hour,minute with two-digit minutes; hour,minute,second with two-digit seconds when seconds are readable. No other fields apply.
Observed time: 6,08
